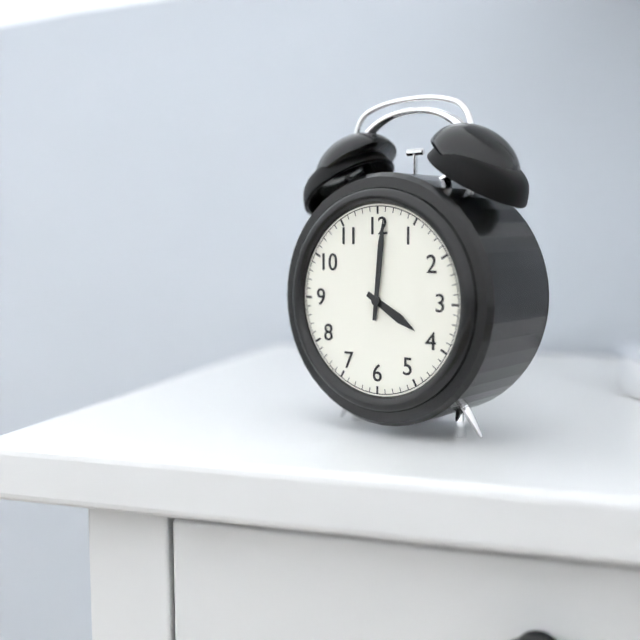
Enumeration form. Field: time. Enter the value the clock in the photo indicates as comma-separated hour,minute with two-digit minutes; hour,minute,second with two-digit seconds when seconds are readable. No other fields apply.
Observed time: 4,01
